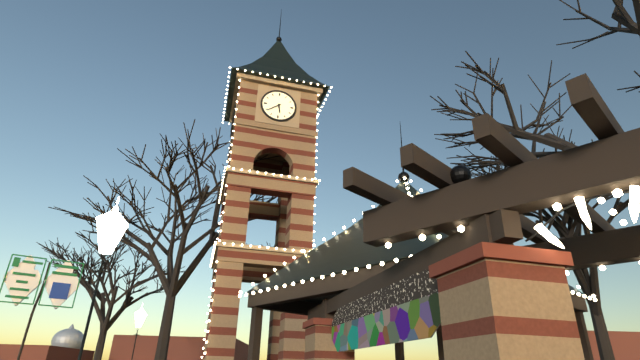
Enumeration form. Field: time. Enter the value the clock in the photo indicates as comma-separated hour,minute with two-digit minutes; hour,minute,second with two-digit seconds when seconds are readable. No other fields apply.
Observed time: 5,39
